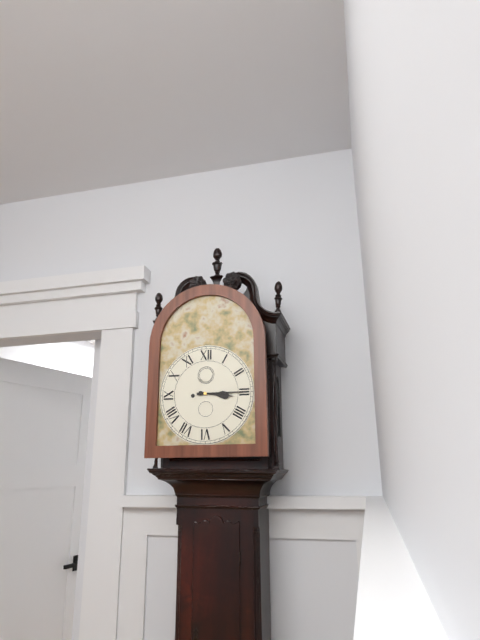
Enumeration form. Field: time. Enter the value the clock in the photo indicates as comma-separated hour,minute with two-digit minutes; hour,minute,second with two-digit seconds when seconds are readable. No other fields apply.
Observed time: 3,15
